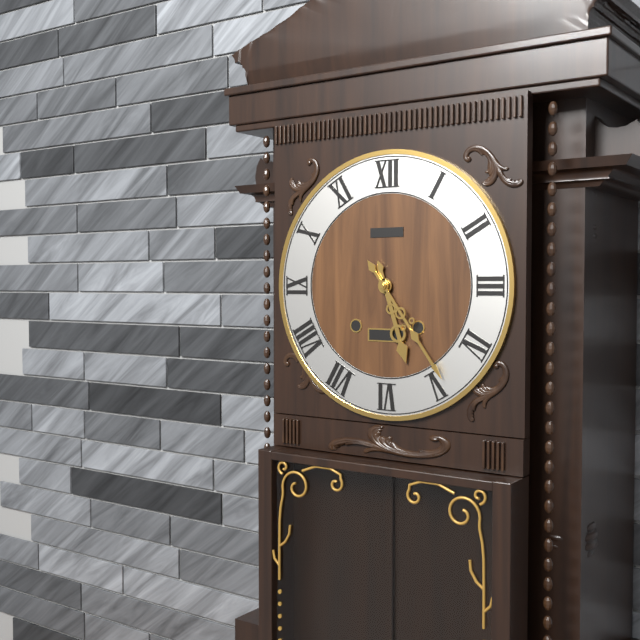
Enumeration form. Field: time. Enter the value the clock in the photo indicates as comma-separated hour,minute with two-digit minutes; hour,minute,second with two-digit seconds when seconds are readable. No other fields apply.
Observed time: 5,24
